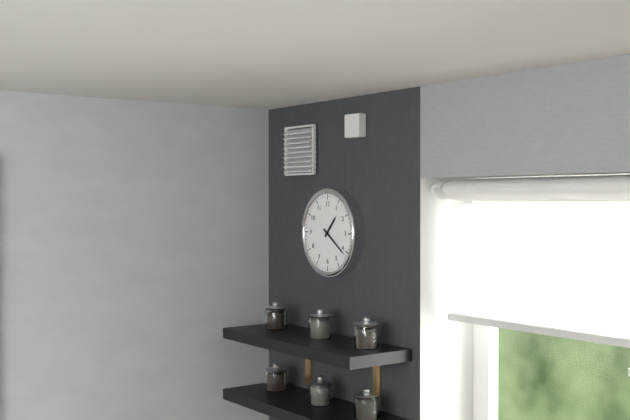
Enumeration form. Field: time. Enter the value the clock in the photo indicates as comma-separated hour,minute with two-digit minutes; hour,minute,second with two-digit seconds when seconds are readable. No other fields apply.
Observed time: 1,21
